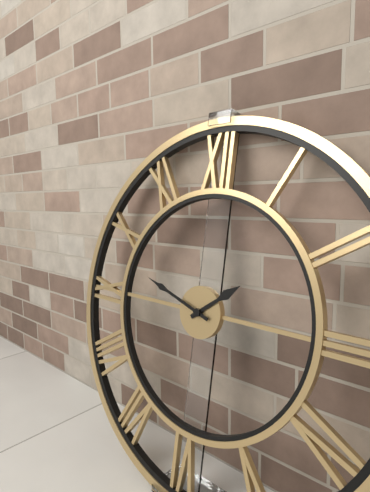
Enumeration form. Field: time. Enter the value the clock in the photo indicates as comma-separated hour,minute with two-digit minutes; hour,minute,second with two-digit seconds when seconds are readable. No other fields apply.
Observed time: 1,48
